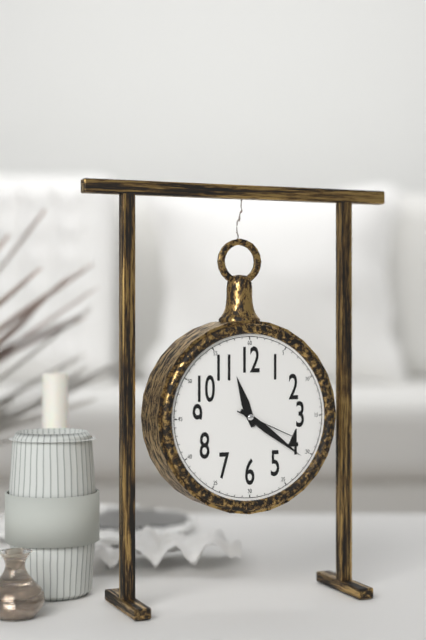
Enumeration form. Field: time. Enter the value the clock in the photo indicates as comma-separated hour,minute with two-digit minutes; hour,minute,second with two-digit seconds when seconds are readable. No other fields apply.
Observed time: 11,21,19
